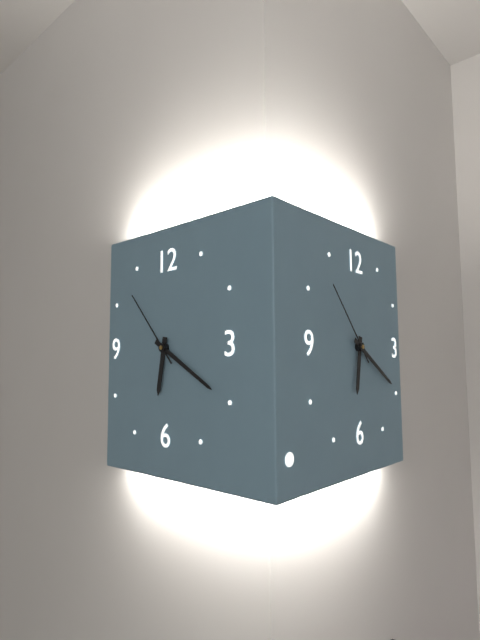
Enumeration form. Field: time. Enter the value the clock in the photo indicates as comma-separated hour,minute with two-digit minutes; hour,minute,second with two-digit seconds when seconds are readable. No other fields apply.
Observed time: 6,20,53
